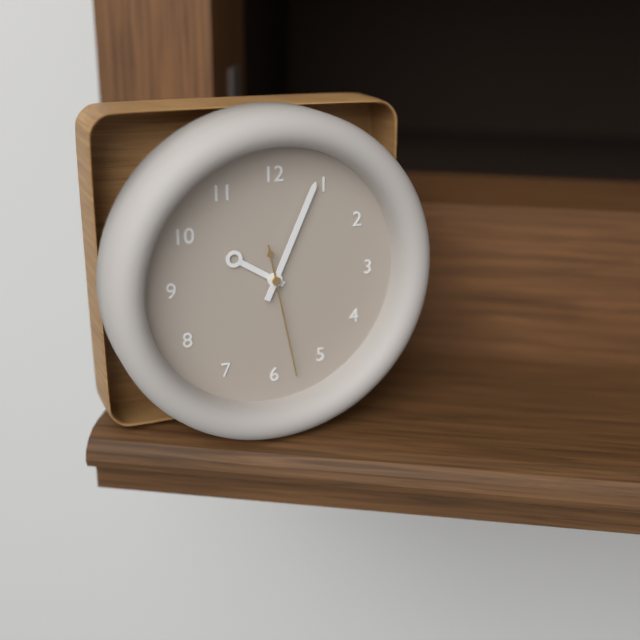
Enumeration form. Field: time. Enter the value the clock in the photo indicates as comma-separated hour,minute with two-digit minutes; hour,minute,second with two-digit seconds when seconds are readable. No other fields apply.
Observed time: 10,04,28
